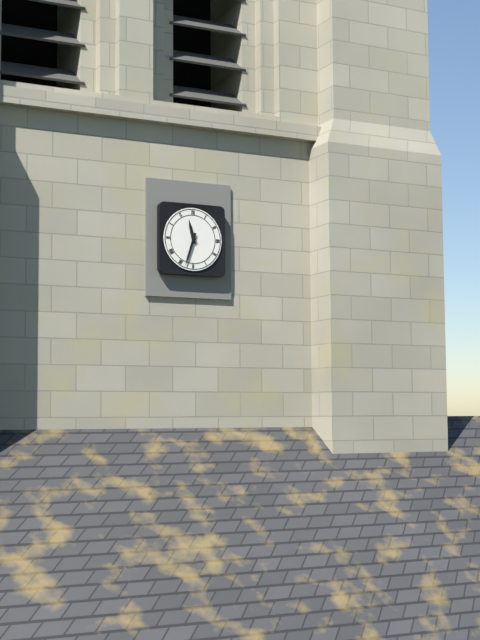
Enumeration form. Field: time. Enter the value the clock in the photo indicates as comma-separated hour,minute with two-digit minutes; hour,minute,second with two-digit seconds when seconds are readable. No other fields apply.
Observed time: 11,33
